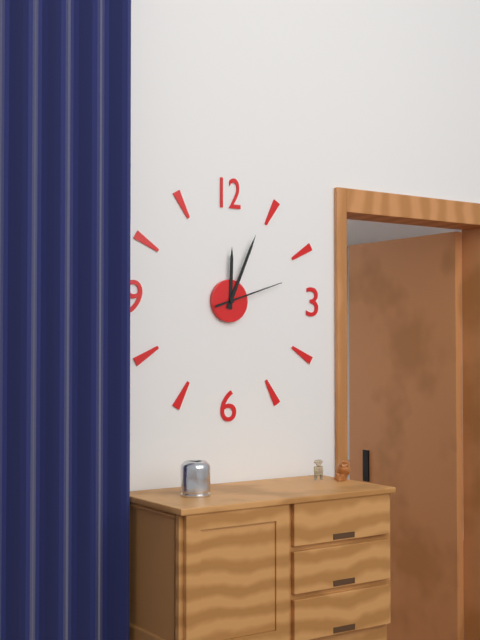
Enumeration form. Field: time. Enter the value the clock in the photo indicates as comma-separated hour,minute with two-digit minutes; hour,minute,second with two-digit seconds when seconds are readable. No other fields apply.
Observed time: 12,04,12
